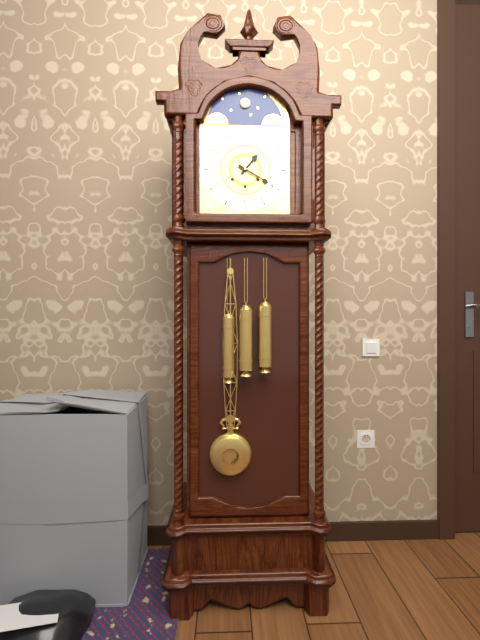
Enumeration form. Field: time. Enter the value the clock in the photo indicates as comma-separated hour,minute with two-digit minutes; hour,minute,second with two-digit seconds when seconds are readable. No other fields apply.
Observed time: 1,20
